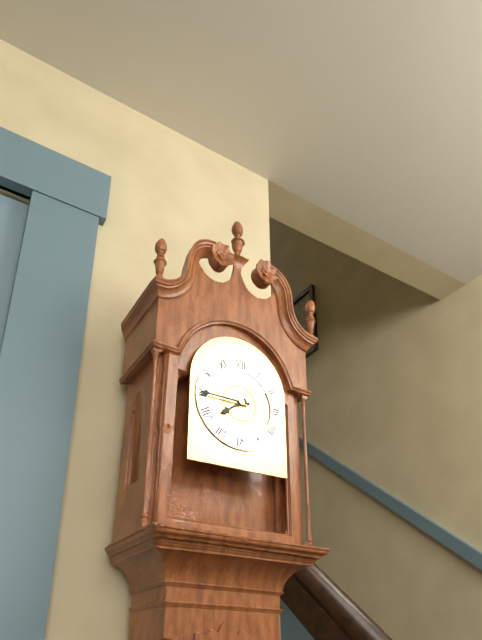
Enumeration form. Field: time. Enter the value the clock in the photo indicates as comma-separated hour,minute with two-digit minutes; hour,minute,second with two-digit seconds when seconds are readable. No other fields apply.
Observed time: 7,45
